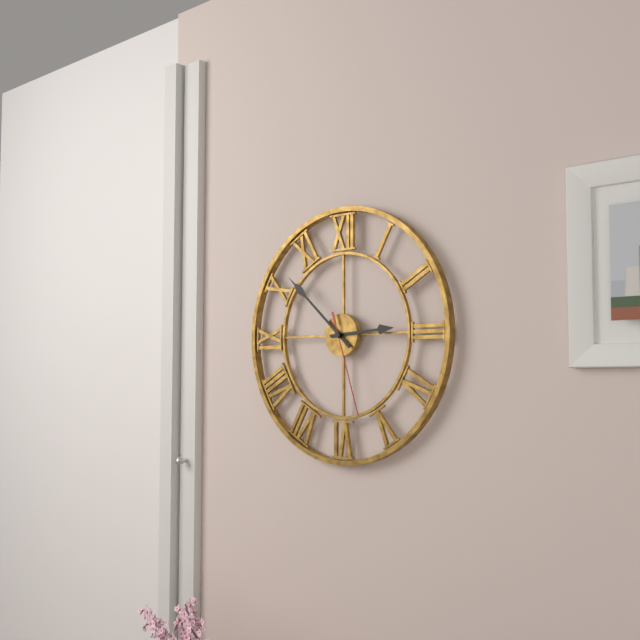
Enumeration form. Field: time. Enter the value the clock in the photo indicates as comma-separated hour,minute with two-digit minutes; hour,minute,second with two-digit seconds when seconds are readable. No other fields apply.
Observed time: 2,52,27
